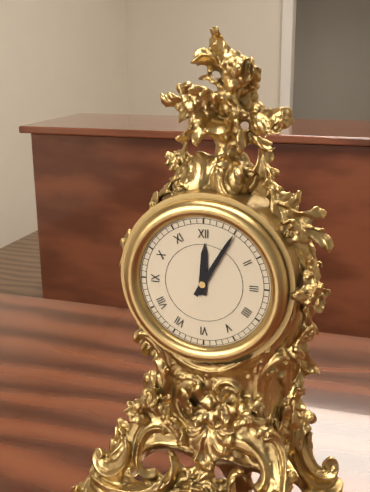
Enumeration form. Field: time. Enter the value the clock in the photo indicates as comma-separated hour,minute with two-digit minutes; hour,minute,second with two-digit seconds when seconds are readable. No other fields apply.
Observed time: 12,05
